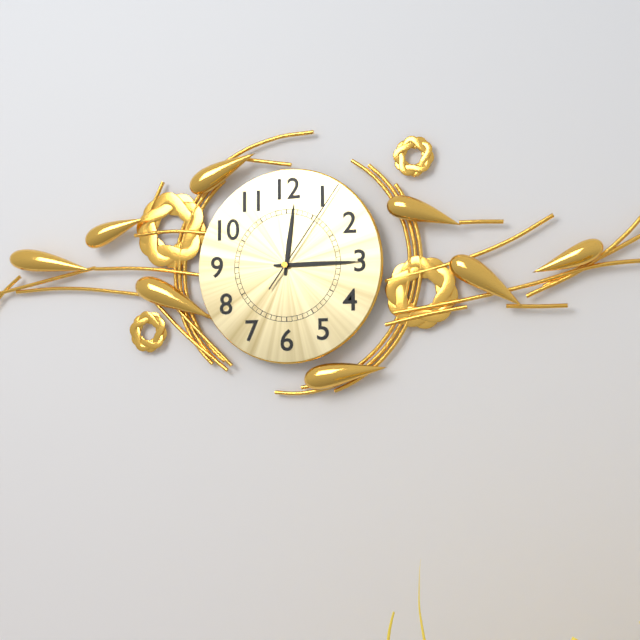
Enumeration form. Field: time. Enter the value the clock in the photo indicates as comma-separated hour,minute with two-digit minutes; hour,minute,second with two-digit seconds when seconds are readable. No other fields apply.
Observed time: 12,15,06
